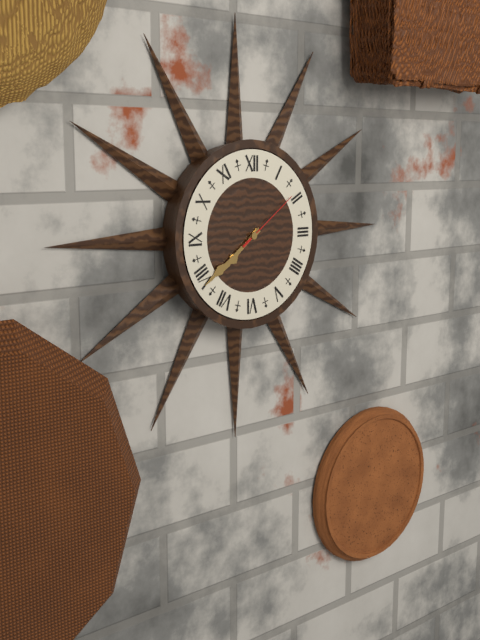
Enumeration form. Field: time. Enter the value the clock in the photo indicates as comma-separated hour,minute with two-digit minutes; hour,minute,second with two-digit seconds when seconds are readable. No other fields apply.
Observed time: 7,39,09
